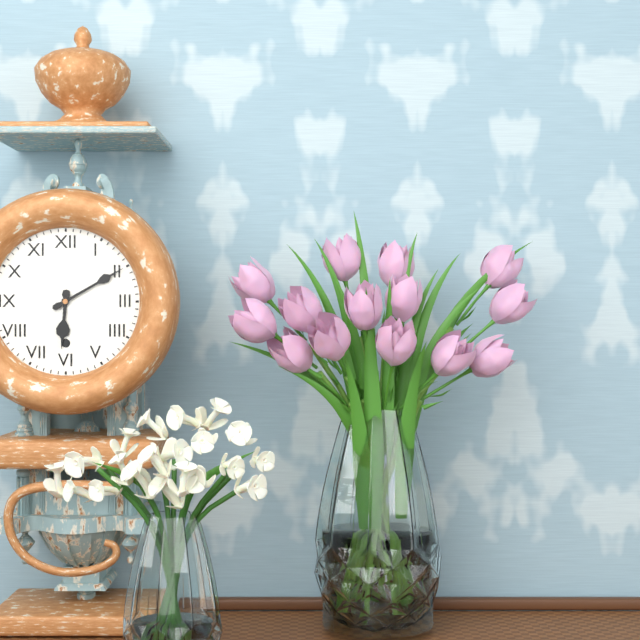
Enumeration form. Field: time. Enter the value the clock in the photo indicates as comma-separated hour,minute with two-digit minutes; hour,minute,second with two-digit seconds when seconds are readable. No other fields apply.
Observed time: 6,10
